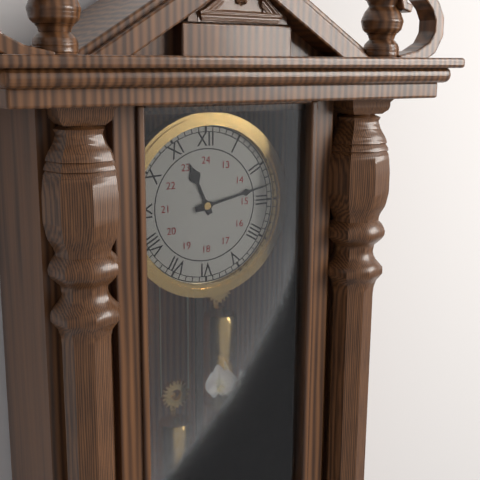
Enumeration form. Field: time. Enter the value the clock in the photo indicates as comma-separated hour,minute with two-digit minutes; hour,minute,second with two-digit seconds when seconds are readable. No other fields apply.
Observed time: 11,13
